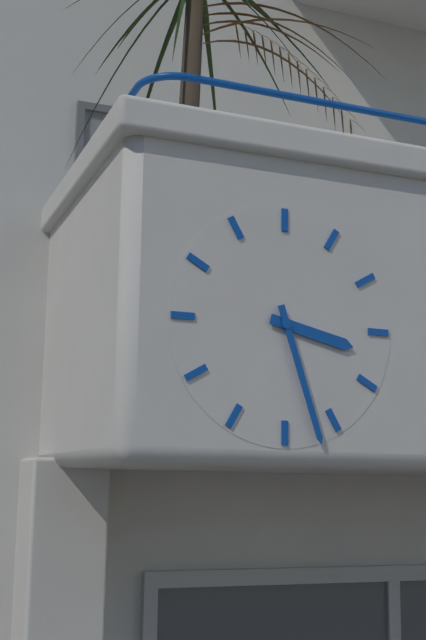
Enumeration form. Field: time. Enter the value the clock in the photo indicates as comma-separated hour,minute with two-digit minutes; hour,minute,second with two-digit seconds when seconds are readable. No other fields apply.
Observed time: 3,27
